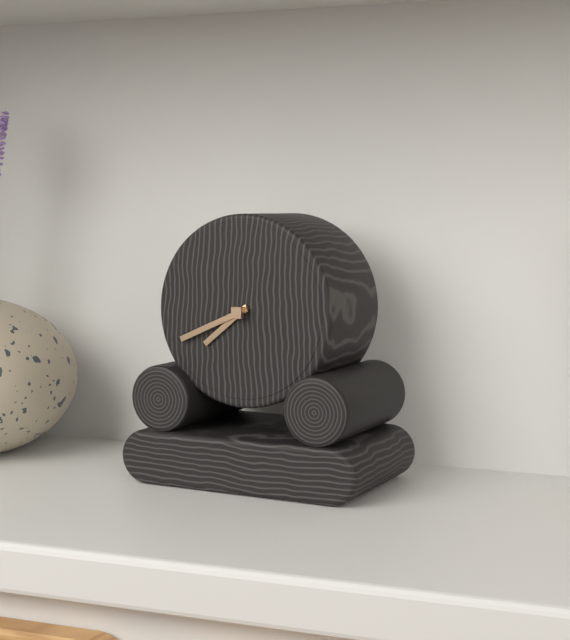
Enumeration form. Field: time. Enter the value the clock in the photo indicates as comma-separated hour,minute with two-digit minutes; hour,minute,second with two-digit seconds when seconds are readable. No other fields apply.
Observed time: 7,41
